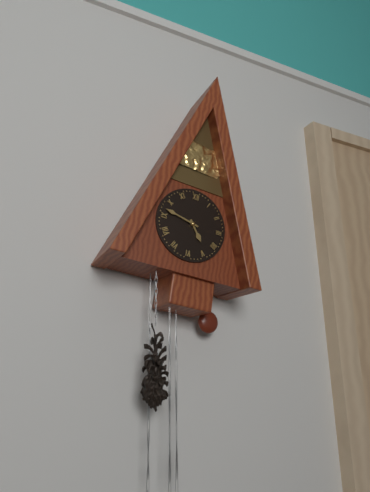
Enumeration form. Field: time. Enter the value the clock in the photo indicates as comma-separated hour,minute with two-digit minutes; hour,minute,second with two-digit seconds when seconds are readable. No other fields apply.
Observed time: 4,47
